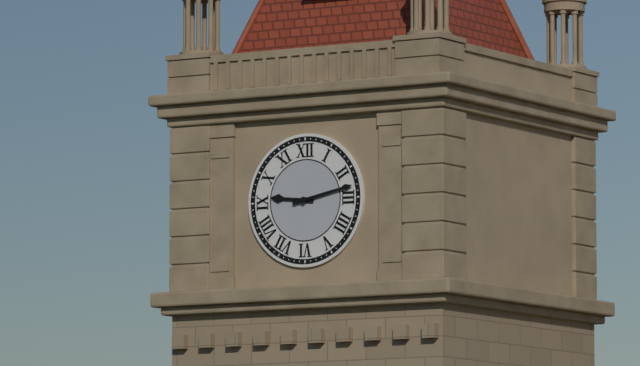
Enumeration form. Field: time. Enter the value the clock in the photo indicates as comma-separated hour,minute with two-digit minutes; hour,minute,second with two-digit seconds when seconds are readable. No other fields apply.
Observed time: 9,13
